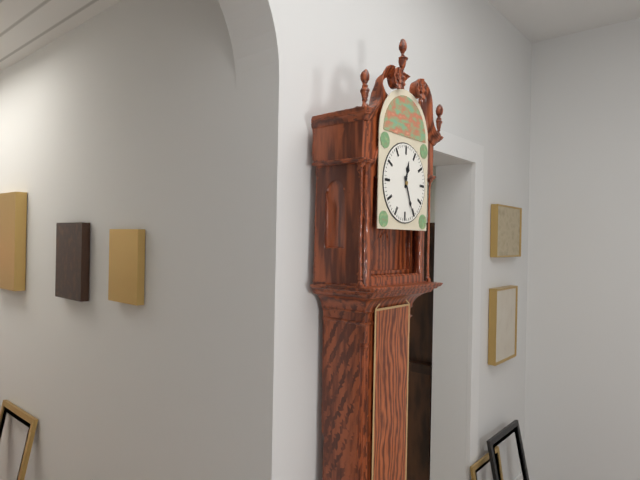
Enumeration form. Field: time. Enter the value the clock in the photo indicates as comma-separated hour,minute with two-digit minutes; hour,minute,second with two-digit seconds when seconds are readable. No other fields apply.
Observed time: 12,26
